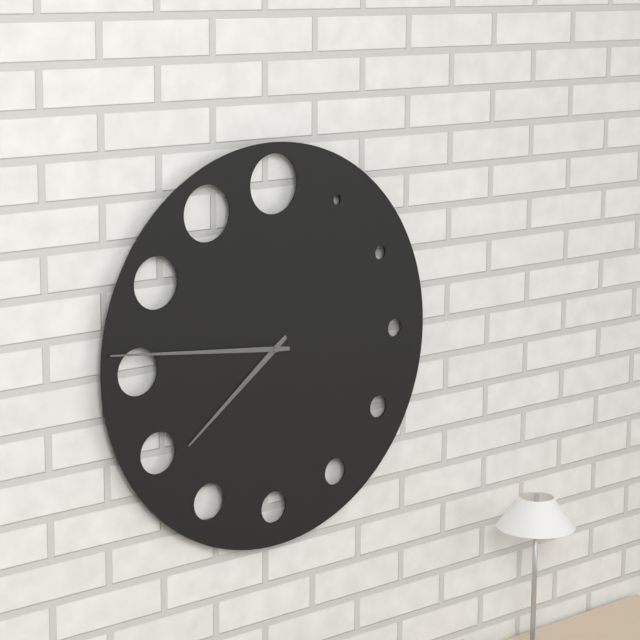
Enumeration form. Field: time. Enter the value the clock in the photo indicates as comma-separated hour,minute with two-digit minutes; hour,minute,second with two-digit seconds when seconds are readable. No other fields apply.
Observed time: 7,46
